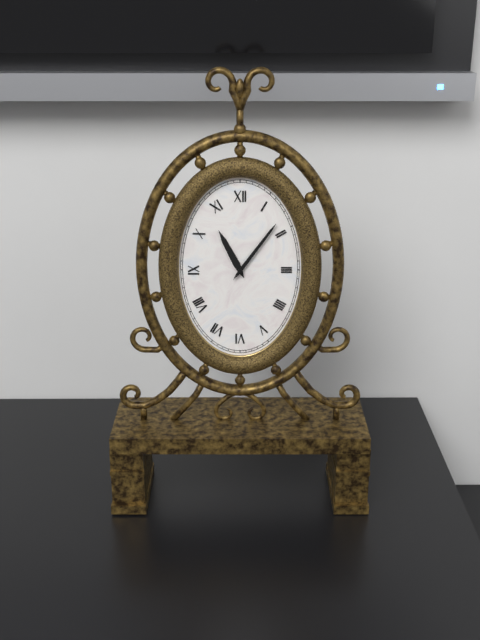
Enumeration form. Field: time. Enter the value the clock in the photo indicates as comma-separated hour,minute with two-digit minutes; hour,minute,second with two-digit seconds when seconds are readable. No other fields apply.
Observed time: 11,06
